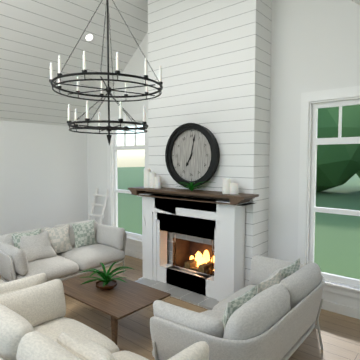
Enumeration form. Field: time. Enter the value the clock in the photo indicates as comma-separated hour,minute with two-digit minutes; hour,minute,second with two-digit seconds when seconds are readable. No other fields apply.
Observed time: 7,02
